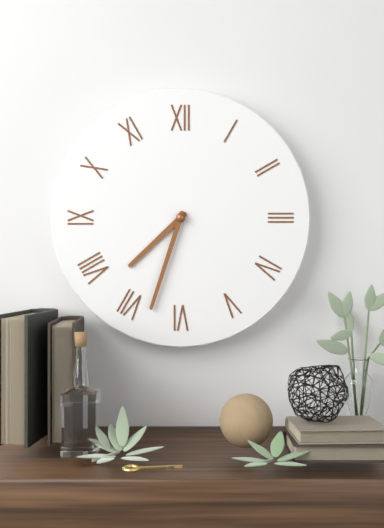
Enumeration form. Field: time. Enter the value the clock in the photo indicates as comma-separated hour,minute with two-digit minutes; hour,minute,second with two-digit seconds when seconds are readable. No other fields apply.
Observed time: 7,33
